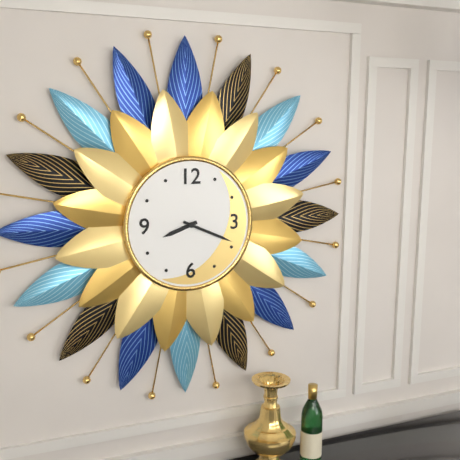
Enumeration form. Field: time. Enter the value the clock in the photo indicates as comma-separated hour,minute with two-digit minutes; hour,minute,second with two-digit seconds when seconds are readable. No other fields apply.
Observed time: 8,19
